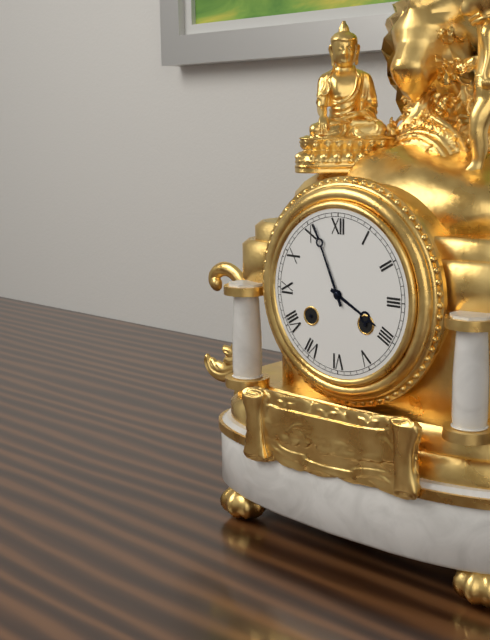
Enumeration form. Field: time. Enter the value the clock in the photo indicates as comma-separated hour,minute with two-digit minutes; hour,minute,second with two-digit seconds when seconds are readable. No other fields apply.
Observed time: 3,56
